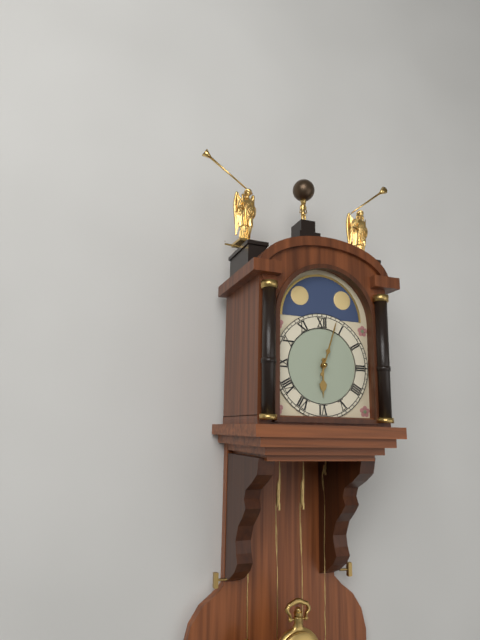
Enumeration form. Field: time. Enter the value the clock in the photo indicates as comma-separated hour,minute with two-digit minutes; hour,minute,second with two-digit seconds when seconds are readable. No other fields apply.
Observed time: 6,03
